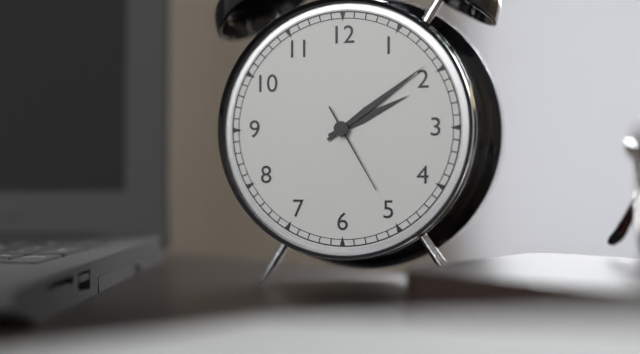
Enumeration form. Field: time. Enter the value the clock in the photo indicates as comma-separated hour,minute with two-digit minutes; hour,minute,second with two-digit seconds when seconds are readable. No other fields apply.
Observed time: 2,09,25
